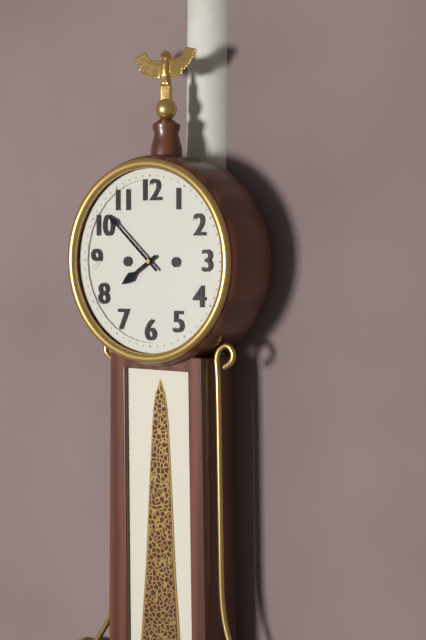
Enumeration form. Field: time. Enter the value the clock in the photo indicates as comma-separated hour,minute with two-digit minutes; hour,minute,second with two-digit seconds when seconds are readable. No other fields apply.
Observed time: 7,52
